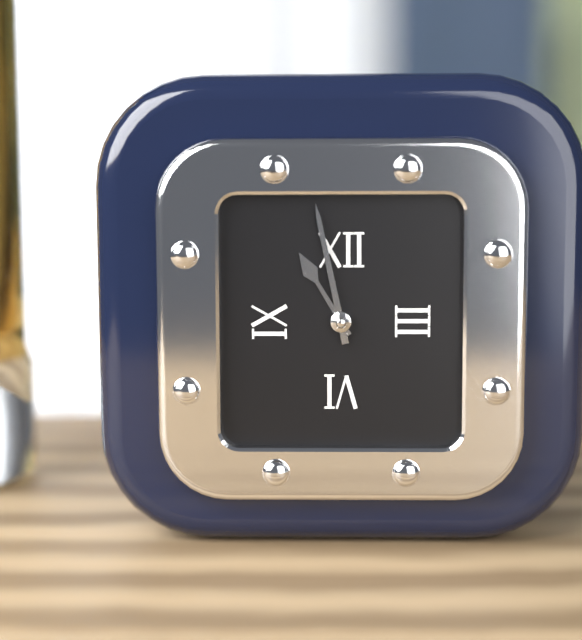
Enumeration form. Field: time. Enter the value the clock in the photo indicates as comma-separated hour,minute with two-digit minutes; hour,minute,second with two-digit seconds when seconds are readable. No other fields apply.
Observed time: 10,58
